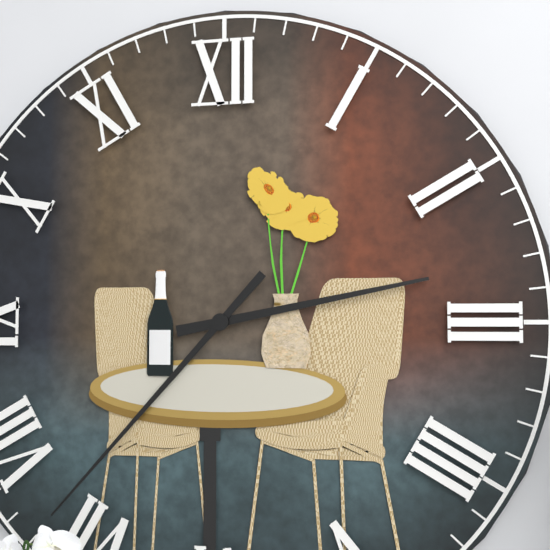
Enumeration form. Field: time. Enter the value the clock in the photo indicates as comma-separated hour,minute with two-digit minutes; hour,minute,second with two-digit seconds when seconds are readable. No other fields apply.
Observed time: 2,37
